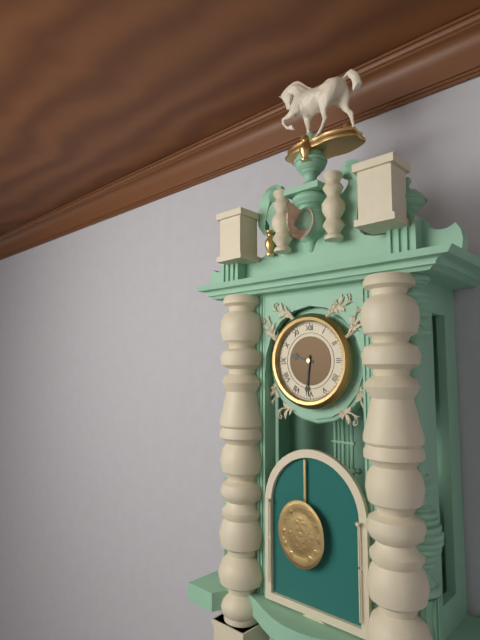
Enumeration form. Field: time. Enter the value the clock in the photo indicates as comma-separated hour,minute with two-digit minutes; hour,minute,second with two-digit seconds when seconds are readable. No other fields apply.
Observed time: 9,31
